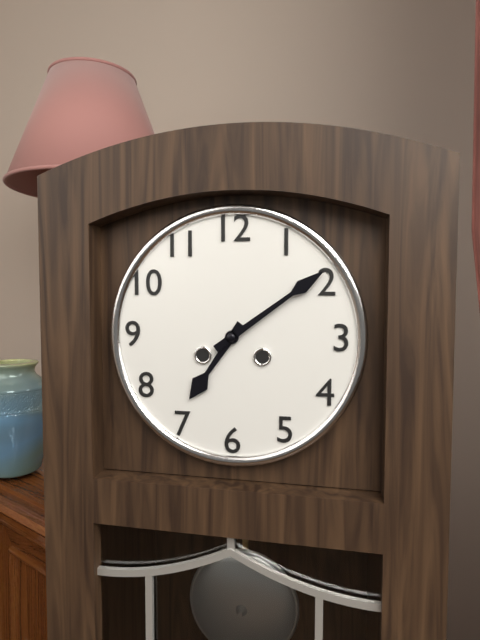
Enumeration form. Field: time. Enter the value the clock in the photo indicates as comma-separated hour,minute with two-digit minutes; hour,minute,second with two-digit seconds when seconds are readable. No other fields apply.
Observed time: 7,09
